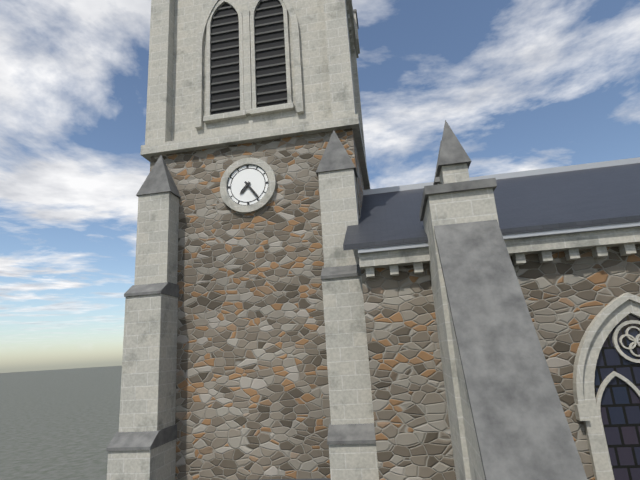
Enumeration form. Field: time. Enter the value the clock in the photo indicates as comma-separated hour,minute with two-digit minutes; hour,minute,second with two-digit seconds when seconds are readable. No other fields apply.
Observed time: 7,24
